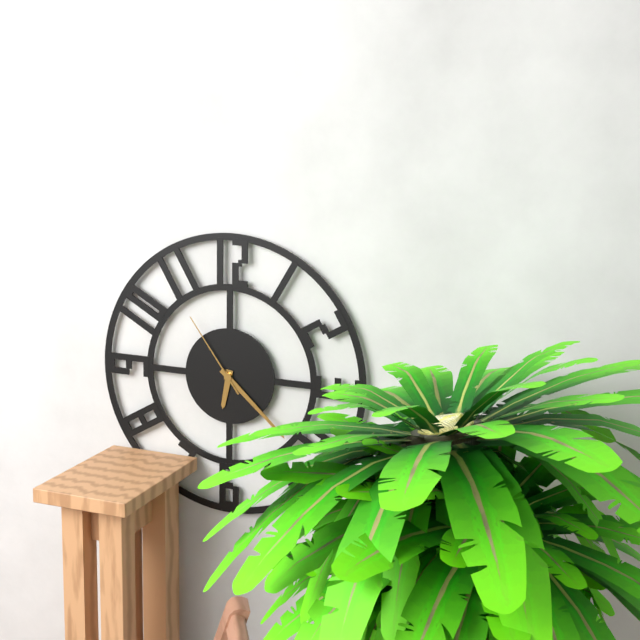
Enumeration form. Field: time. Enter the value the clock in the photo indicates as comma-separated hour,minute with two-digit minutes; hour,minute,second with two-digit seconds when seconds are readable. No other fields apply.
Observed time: 6,22,54
